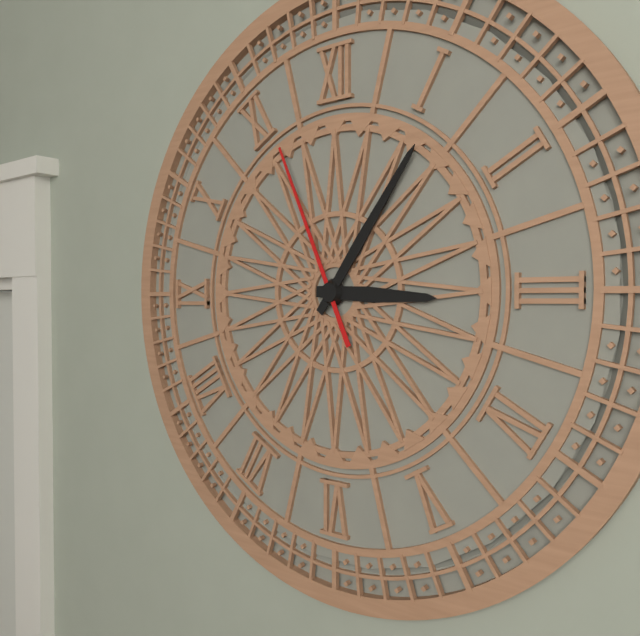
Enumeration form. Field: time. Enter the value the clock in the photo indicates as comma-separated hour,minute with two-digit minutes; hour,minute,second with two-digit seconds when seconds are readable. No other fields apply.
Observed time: 3,06,56
